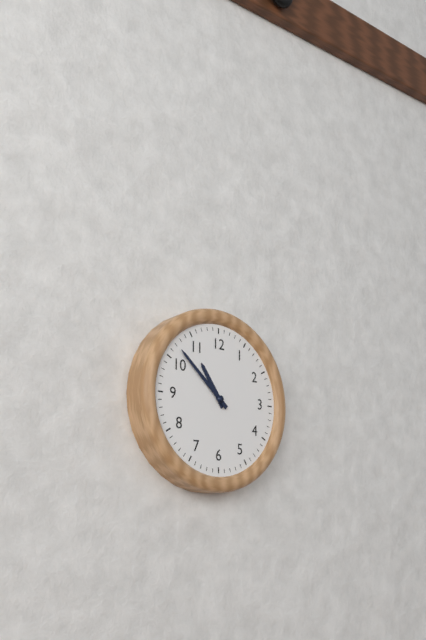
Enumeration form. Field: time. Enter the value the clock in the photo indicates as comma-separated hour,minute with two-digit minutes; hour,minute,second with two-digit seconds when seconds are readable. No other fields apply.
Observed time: 10,52
